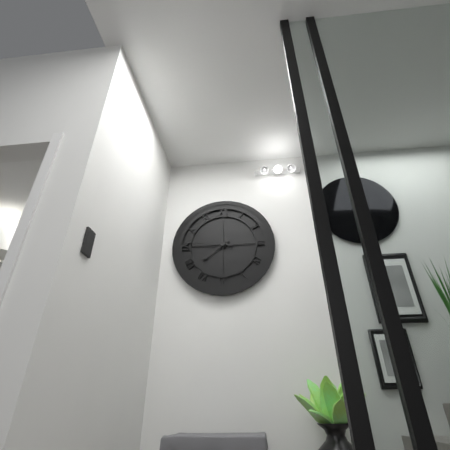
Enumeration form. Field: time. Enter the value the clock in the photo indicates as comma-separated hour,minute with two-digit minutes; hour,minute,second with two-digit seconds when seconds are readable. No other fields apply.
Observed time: 7,46
